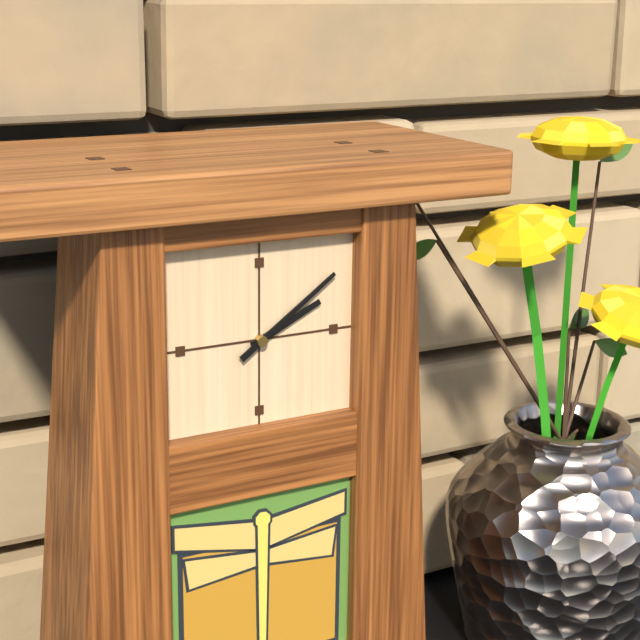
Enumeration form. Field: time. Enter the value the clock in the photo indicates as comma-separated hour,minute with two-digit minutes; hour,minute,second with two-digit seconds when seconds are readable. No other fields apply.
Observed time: 2,09
